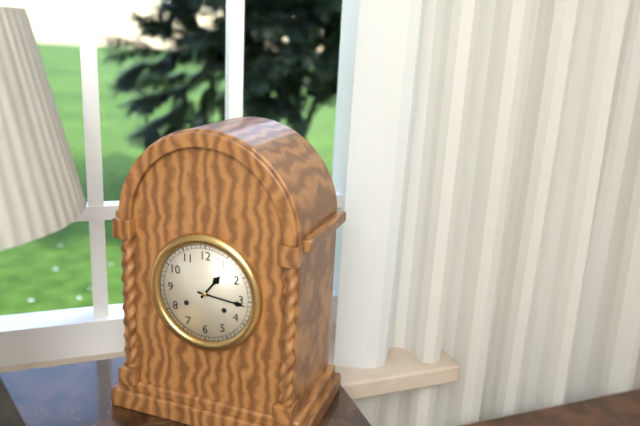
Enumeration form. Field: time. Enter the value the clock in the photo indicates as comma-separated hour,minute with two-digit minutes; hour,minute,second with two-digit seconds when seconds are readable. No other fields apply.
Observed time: 1,16
